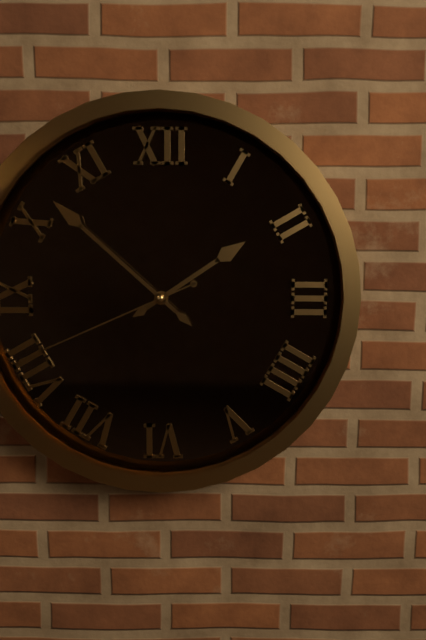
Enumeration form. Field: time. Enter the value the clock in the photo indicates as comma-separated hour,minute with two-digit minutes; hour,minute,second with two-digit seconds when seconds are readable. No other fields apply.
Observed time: 1,52,41
